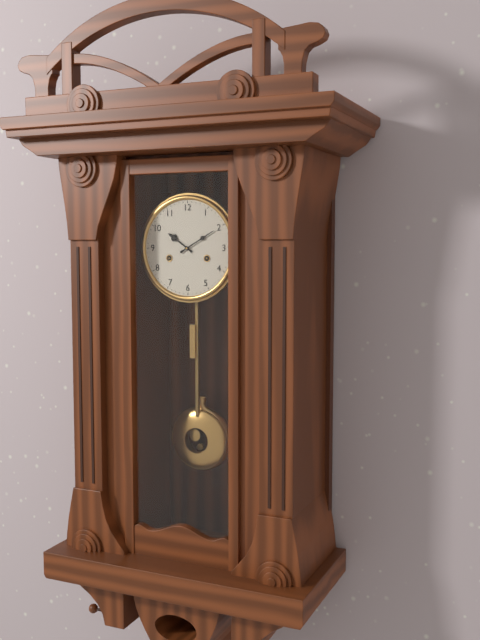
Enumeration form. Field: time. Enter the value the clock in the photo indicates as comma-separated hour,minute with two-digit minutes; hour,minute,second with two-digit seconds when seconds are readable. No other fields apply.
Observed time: 10,10
